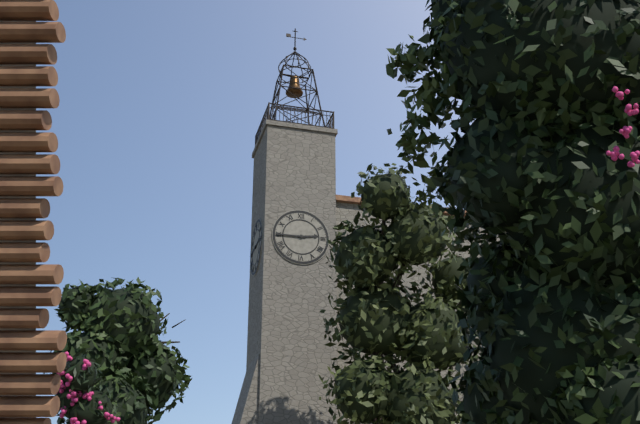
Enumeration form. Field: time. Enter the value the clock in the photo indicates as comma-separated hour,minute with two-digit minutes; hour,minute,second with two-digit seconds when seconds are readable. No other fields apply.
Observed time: 2,45
